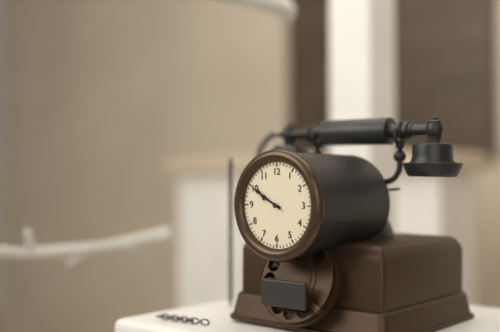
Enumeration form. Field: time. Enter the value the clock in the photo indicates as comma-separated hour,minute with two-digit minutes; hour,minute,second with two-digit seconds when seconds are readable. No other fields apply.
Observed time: 9,50
